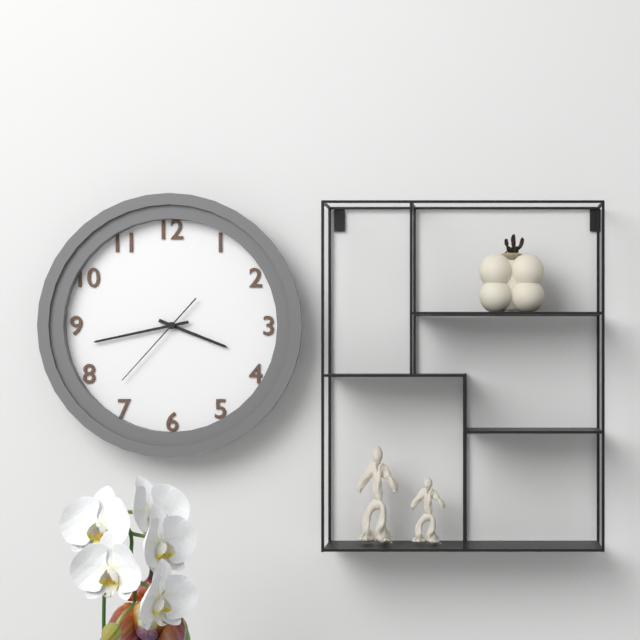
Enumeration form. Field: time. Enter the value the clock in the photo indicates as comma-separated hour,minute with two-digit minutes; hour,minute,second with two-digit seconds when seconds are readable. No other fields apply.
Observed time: 3,43,37
